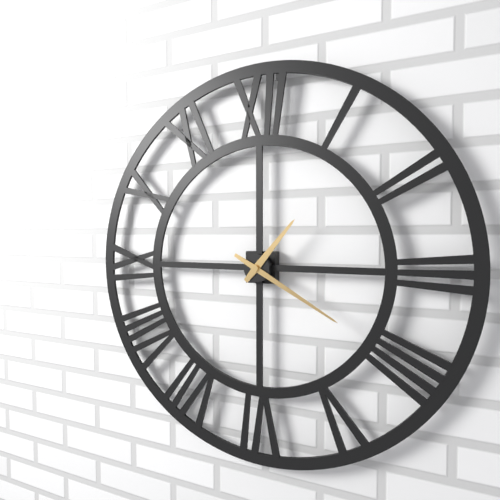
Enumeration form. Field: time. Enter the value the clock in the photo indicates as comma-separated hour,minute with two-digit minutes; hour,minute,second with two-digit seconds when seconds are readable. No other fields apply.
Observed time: 1,20
